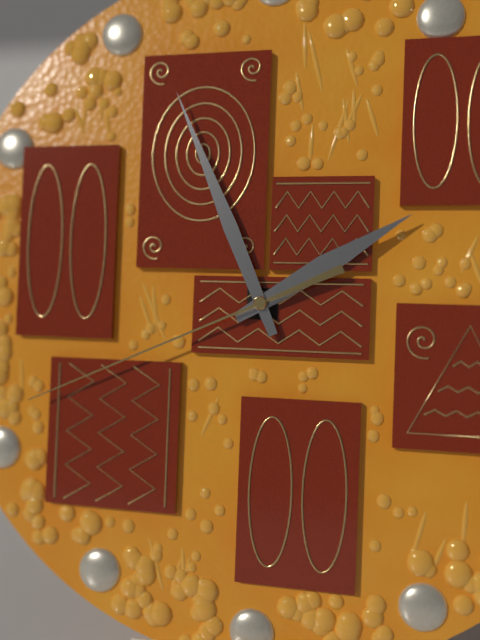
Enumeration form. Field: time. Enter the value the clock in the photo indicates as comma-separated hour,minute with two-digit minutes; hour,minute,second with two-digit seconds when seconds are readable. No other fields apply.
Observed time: 1,56,41
